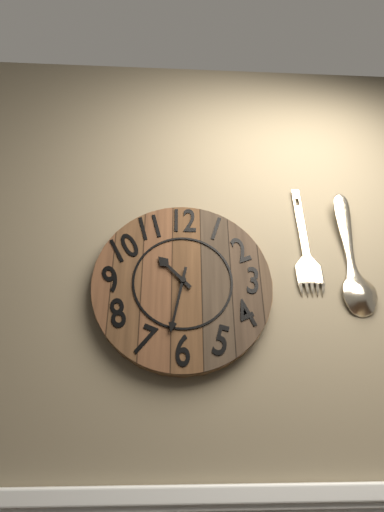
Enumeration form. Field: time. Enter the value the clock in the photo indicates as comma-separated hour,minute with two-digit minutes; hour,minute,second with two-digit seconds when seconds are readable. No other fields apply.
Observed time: 10,32
